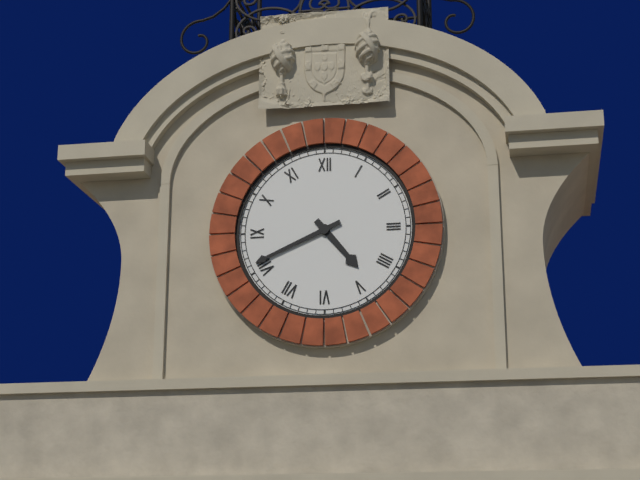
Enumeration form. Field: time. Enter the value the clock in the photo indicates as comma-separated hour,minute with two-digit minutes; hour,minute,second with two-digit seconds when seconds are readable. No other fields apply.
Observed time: 4,41
